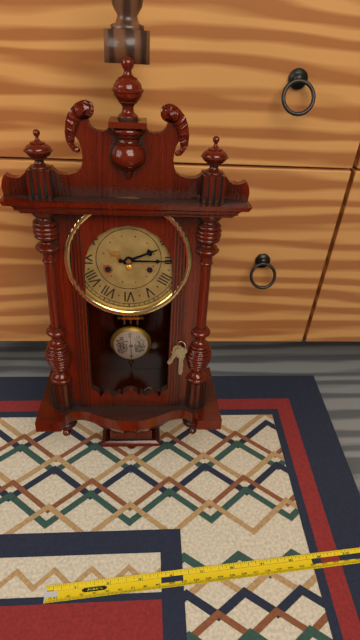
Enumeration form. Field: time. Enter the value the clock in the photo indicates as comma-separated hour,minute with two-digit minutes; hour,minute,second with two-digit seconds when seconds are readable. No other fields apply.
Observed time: 2,15
